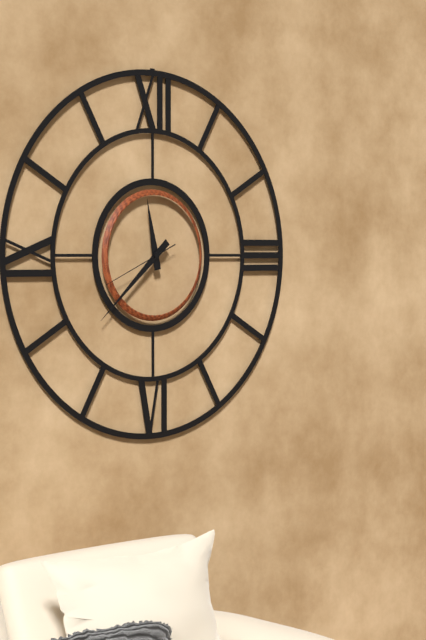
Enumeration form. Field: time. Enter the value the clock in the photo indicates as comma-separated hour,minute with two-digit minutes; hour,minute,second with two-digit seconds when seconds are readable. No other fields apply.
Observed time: 11,38,41
